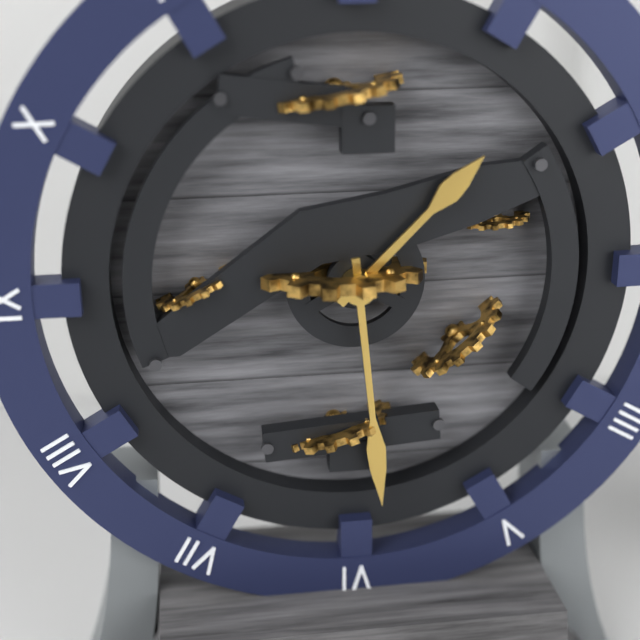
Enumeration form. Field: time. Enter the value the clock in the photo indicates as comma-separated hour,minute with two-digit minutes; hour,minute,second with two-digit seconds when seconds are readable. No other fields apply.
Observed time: 1,29
